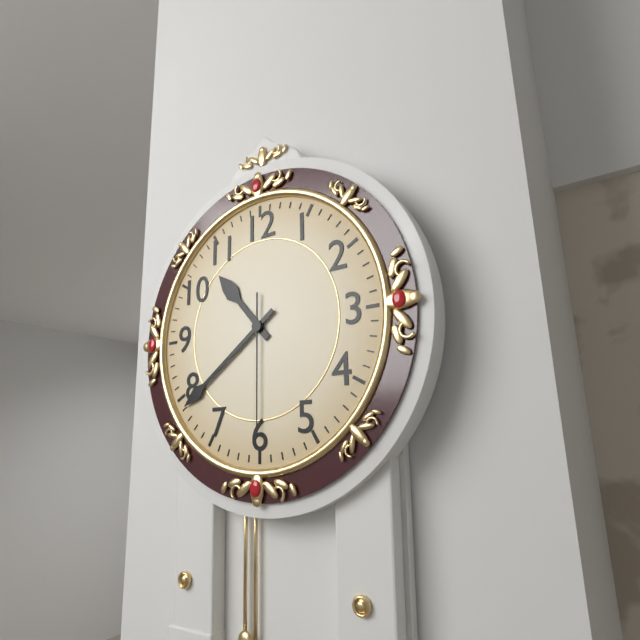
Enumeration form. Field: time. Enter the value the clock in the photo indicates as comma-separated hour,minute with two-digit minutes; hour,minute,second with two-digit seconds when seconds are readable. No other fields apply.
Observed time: 10,39,30
